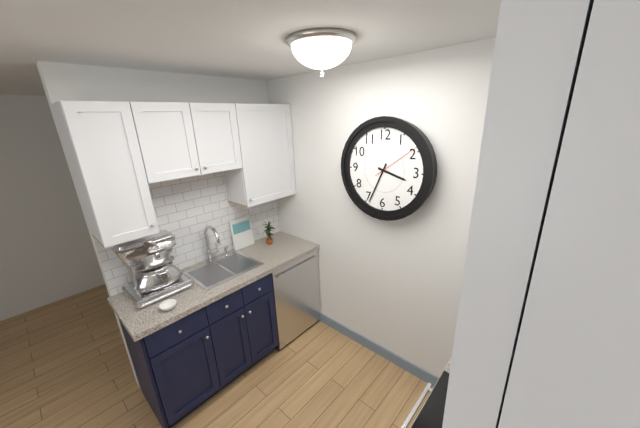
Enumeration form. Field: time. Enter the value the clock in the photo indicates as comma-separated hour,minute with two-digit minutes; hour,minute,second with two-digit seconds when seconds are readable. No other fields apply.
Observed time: 3,34,09
